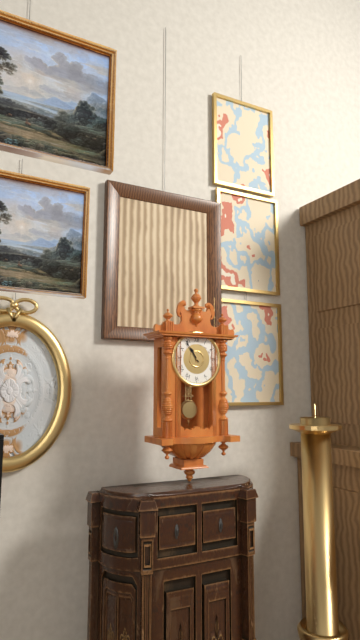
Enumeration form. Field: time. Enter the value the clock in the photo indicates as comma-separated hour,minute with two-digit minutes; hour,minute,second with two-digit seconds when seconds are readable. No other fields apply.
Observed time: 10,54
